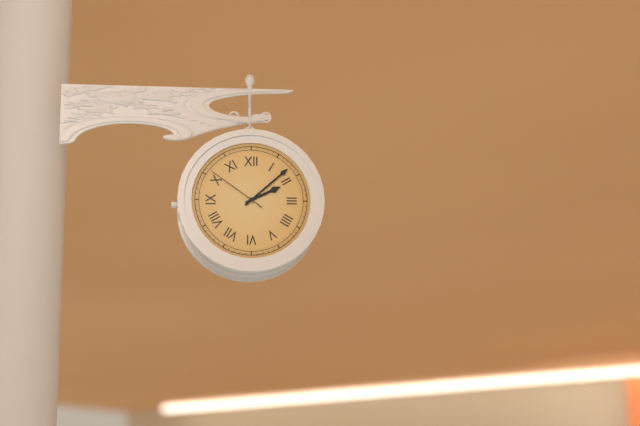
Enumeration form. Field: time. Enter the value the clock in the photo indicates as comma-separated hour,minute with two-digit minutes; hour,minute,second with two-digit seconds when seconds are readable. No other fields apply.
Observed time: 2,08,51
